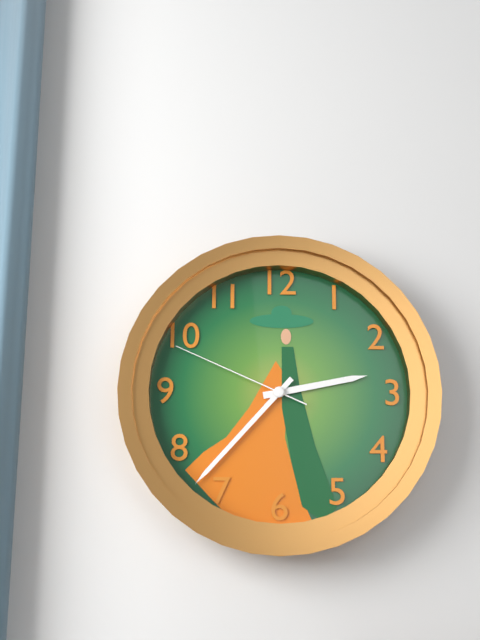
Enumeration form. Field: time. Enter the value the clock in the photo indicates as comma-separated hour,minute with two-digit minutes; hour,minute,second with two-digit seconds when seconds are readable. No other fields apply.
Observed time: 2,37,49
